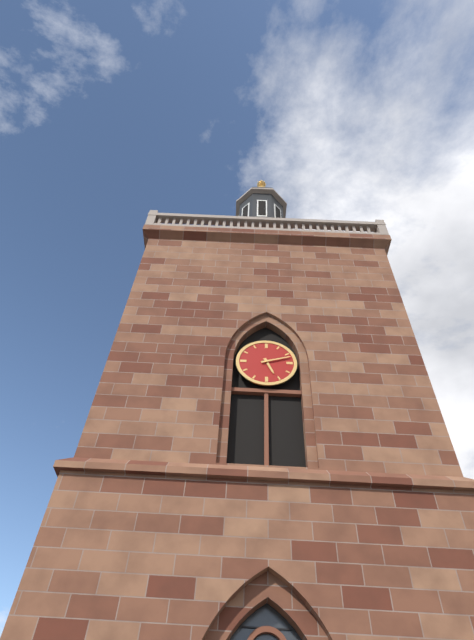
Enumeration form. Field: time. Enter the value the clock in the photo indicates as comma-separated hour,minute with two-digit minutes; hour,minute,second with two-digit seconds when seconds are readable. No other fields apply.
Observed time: 5,12
